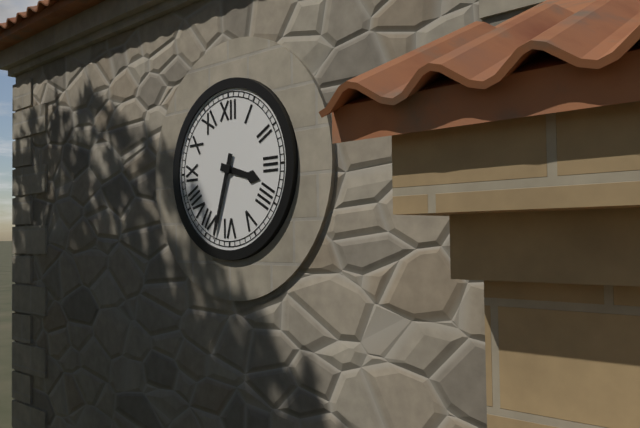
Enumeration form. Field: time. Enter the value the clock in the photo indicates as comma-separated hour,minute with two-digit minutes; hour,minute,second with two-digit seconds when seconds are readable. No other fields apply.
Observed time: 3,33
